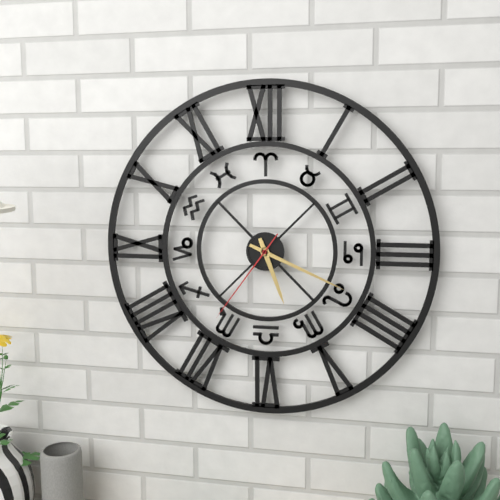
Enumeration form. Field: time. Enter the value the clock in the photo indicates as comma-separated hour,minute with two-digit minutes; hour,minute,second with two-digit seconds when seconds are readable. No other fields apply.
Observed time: 5,19,36
